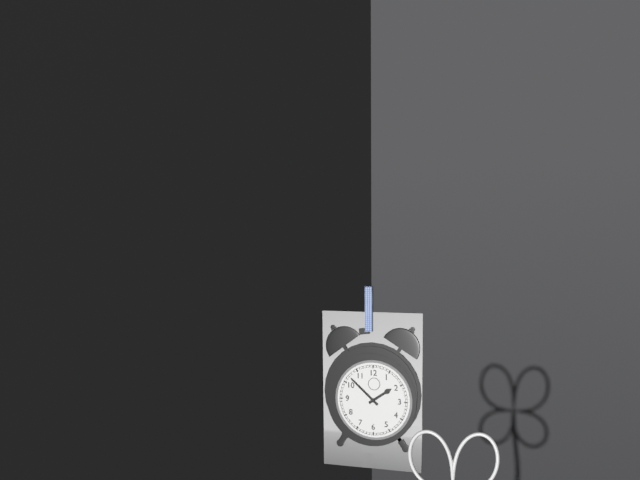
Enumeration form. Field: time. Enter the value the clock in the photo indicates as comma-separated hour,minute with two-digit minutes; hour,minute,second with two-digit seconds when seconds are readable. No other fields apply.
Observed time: 1,52
